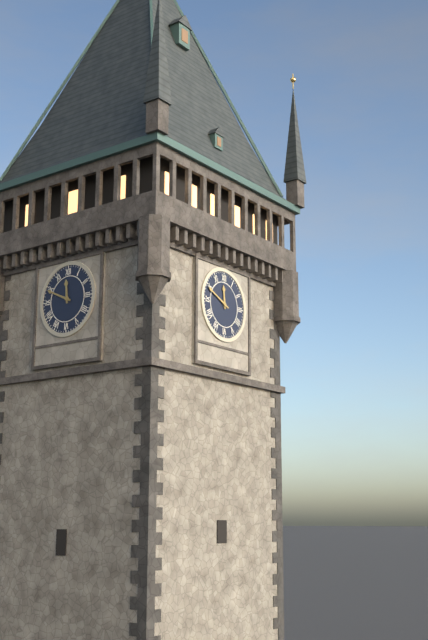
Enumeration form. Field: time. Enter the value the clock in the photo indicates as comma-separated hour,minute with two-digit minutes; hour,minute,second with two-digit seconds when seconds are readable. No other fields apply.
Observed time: 11,49
